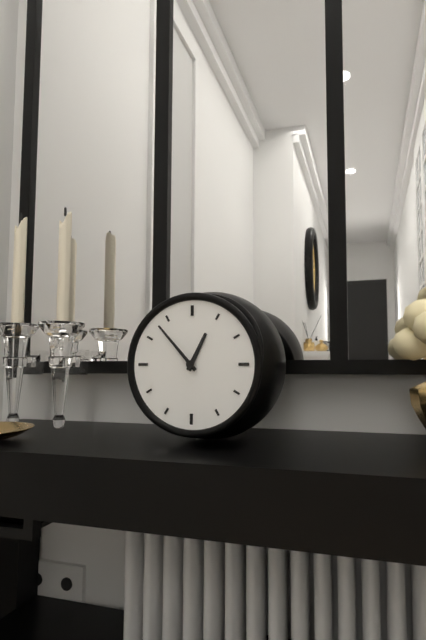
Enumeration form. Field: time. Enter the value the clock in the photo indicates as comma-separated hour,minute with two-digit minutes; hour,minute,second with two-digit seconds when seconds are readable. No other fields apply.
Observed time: 12,53
